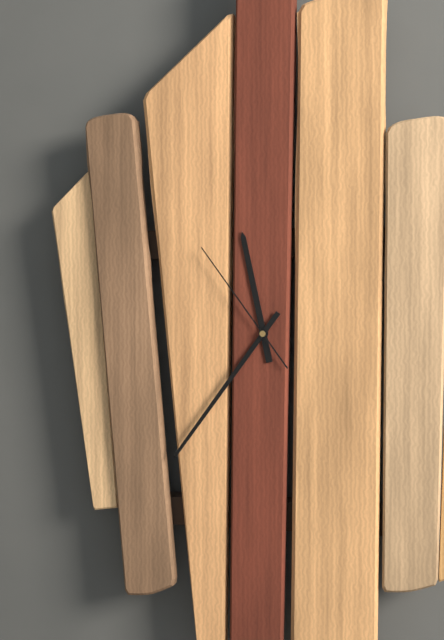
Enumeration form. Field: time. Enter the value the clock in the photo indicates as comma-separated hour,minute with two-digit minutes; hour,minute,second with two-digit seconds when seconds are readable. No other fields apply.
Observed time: 11,36,54
